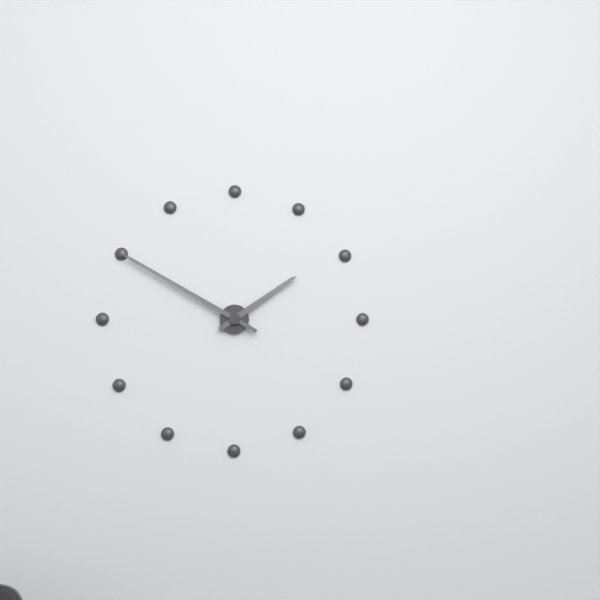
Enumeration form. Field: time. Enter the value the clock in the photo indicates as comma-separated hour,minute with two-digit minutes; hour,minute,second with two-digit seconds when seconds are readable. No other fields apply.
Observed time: 1,50
